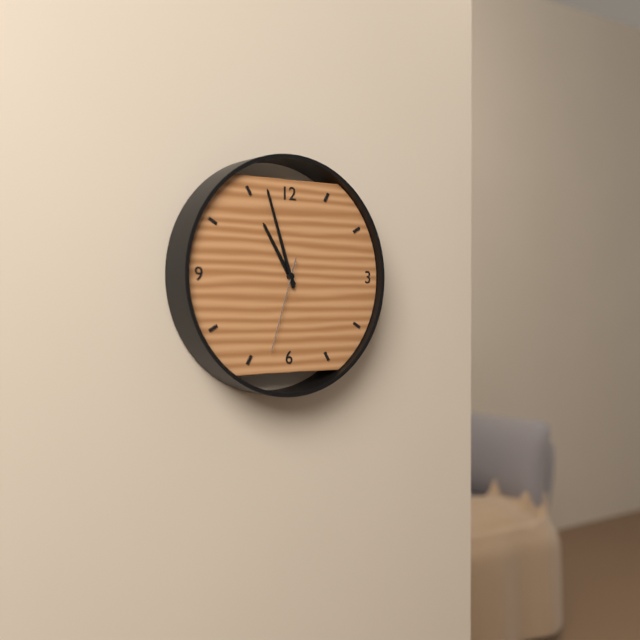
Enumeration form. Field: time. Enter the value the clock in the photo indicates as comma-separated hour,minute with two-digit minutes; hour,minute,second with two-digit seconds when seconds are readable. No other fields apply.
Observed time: 10,57,33
